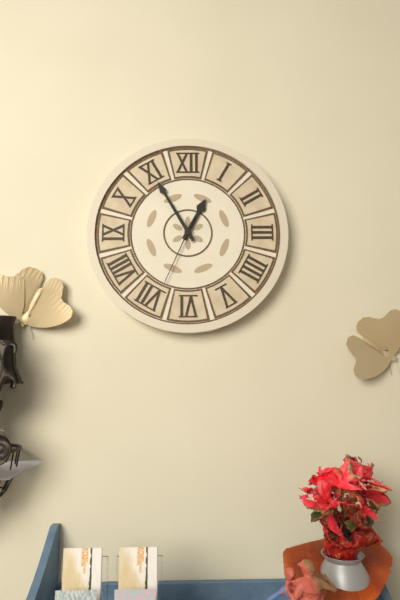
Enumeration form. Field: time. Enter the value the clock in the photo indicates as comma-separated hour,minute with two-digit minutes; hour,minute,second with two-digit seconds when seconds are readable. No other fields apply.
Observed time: 12,55,34
